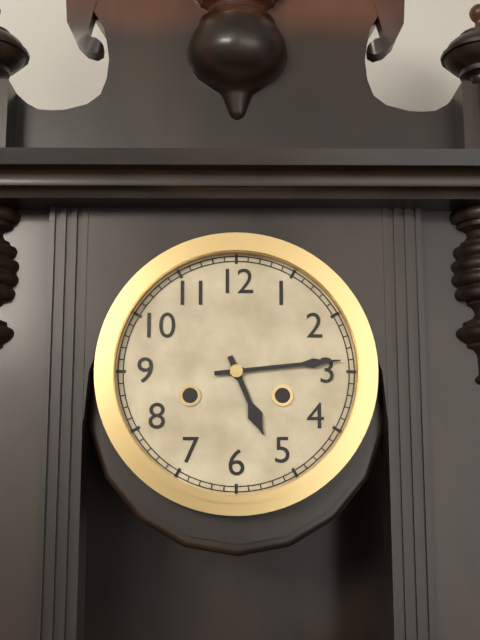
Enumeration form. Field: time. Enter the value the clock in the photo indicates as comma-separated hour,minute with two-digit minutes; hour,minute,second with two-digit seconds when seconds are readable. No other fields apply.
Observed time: 5,14
